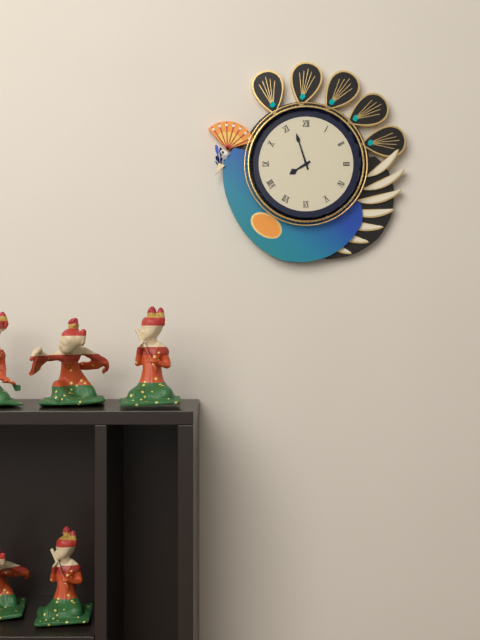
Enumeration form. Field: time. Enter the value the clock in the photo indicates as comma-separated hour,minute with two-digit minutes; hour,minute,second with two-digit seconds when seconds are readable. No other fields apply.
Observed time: 7,57
